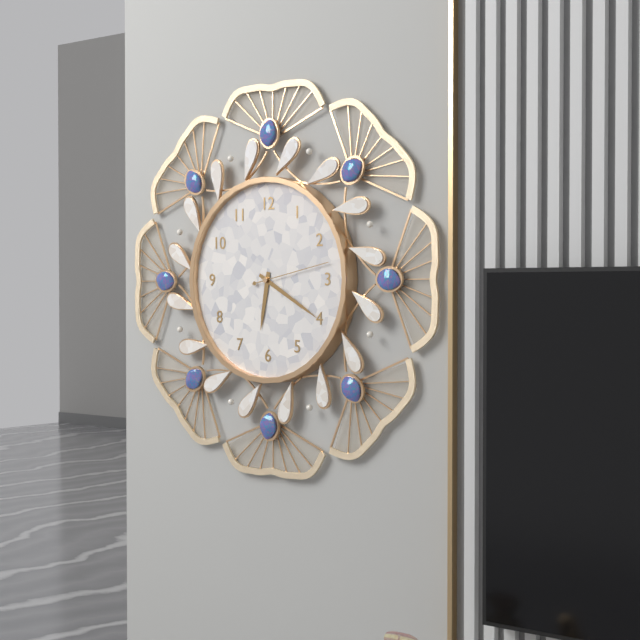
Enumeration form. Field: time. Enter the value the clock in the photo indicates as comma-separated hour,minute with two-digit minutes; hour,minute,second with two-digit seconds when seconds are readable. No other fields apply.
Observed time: 6,20,13
